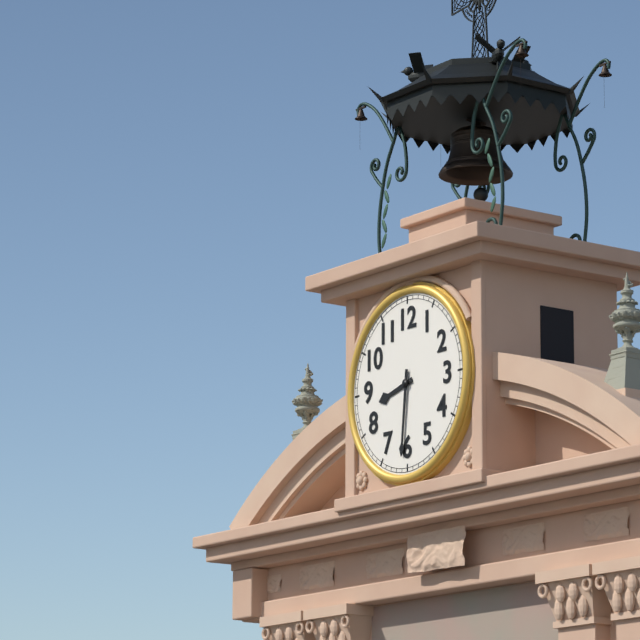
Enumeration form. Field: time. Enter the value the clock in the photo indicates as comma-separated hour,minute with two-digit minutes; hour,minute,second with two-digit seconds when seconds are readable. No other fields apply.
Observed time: 8,31
